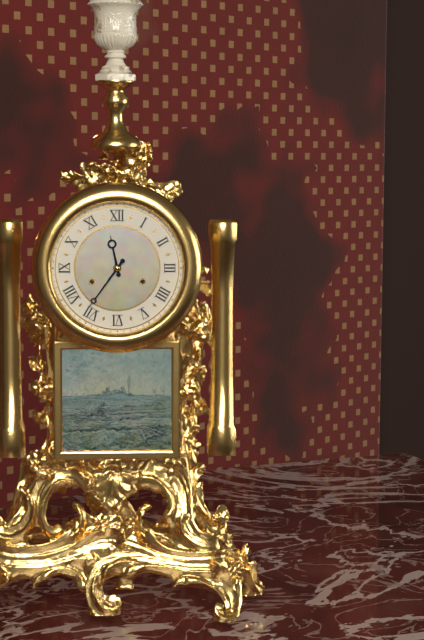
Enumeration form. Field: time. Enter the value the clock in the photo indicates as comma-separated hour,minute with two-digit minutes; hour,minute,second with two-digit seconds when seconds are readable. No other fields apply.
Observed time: 11,36
